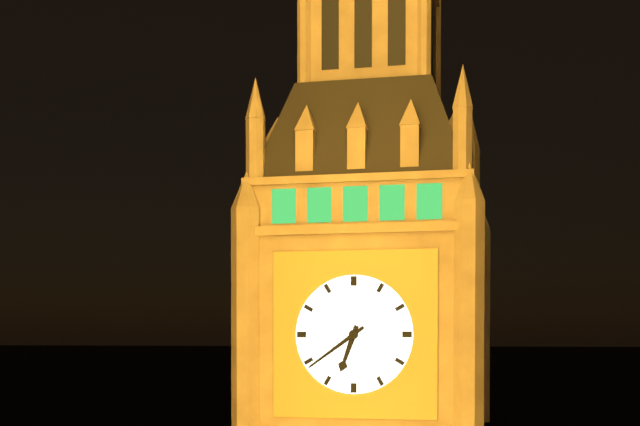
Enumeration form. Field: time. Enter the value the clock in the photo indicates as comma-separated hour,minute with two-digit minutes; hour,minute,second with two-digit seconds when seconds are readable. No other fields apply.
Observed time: 6,39
